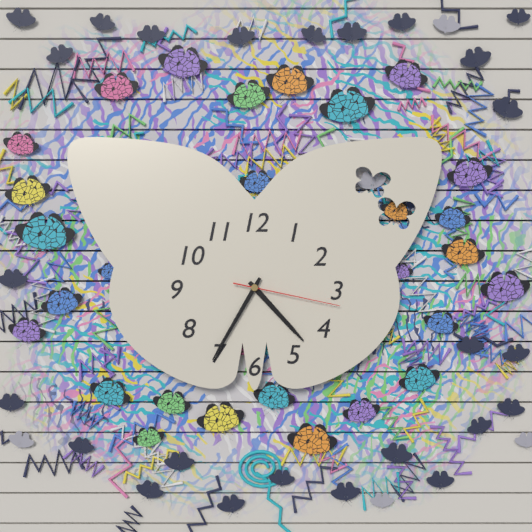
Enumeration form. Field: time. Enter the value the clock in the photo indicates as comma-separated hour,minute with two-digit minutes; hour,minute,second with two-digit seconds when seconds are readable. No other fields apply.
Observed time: 4,35,17
